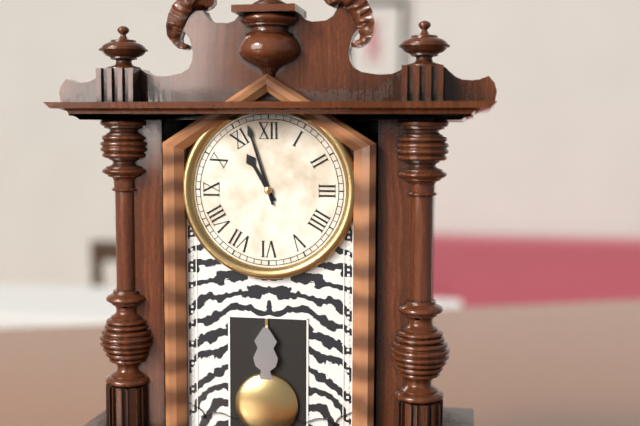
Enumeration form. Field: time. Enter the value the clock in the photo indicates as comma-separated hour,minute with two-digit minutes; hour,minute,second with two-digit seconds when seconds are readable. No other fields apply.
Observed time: 10,57
